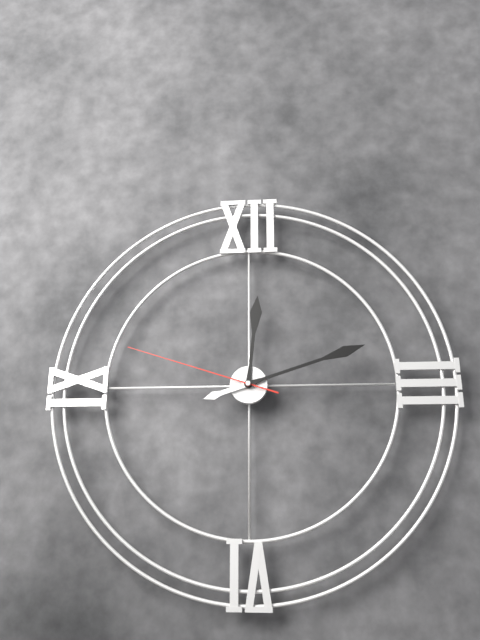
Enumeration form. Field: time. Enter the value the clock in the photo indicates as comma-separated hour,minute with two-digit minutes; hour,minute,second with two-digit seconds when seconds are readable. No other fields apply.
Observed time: 12,12,48
